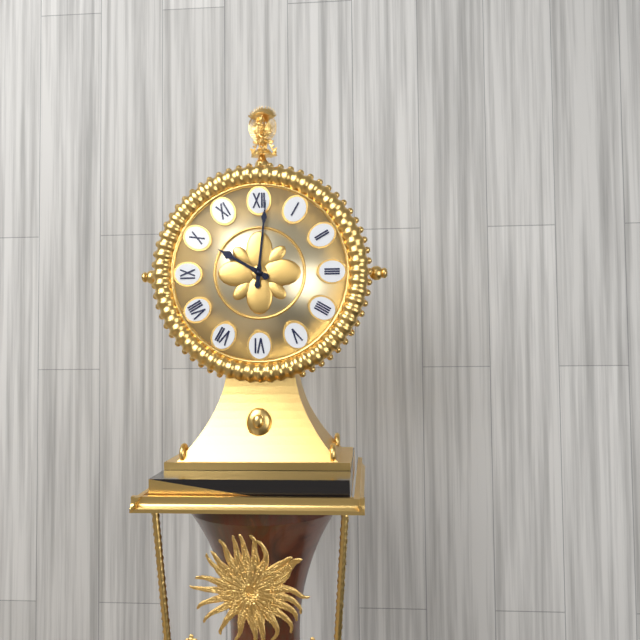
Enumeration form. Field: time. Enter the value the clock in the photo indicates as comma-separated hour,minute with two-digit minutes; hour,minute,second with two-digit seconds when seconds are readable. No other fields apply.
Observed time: 10,01
